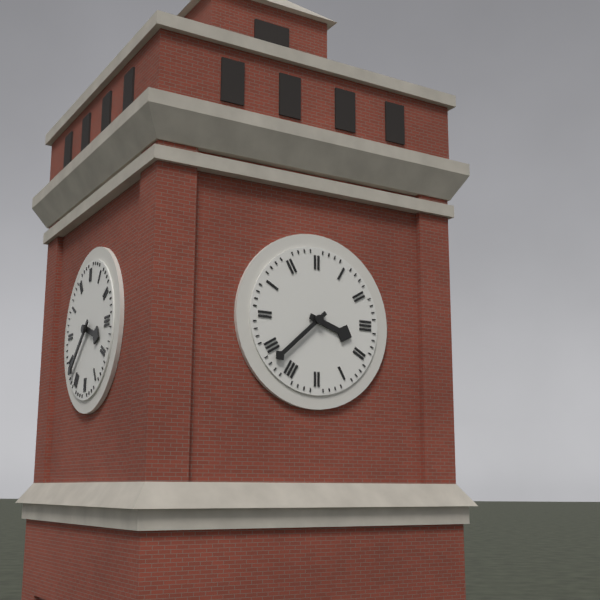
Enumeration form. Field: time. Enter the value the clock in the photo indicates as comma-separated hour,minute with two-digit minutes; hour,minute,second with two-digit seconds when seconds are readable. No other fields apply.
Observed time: 3,38
